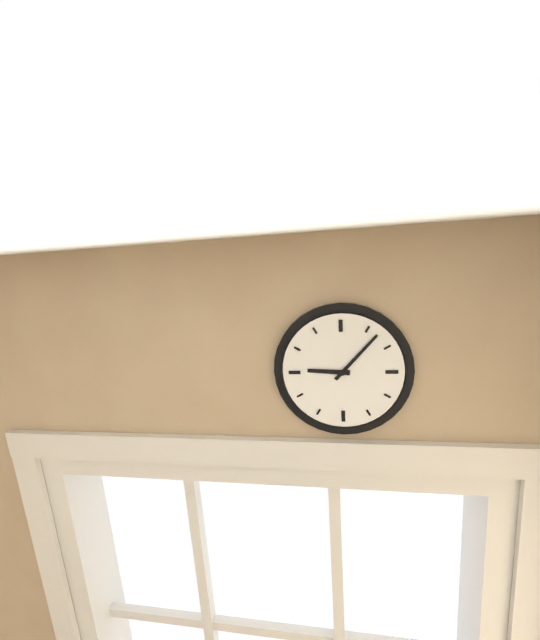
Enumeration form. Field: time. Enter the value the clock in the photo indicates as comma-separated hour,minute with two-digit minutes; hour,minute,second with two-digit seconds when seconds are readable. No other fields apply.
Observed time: 9,07
